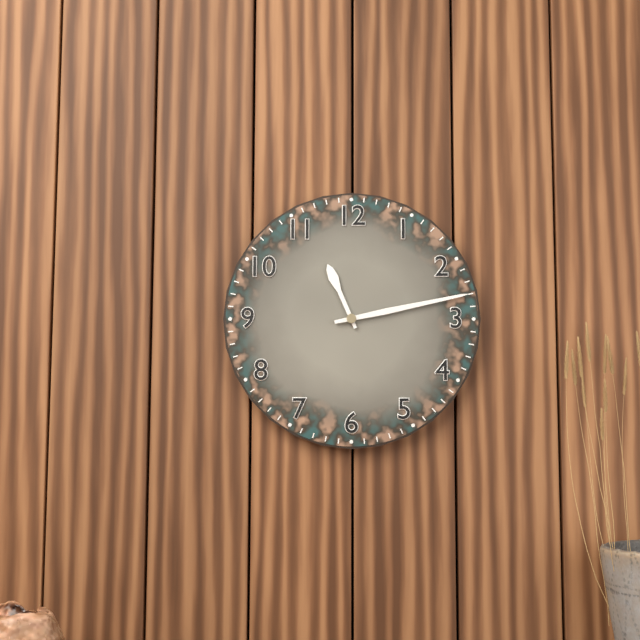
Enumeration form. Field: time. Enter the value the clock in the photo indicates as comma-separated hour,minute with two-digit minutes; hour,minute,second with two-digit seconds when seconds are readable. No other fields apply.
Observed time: 11,13
